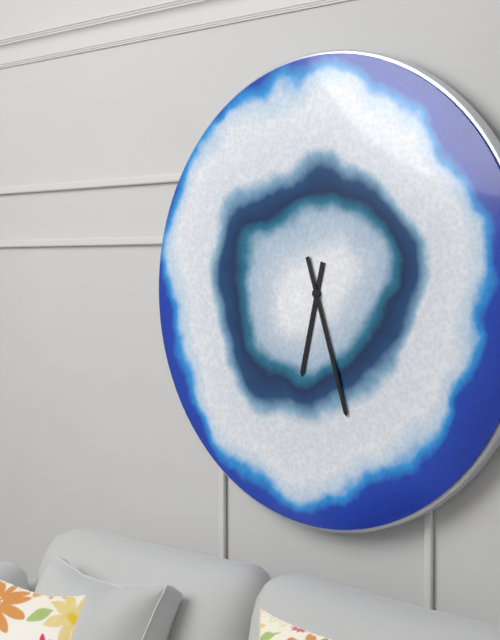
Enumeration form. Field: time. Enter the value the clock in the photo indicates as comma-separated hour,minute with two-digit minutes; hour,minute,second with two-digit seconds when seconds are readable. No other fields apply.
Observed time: 6,27
